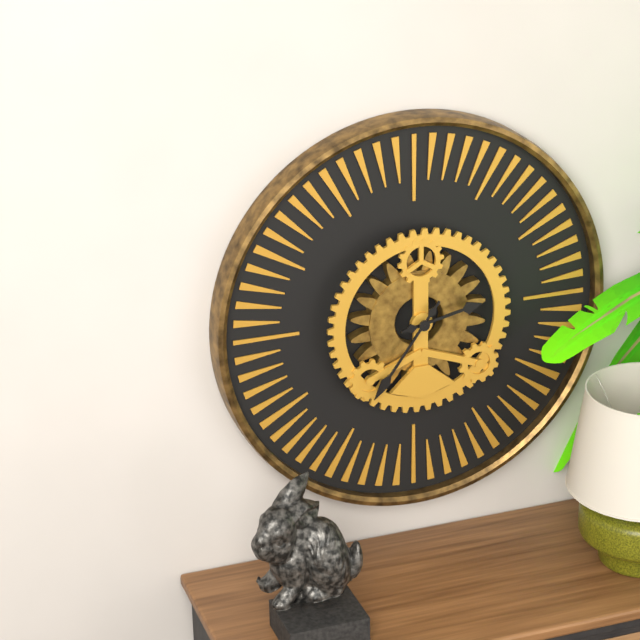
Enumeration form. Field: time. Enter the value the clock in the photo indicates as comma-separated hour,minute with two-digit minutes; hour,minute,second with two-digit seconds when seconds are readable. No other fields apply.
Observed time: 2,36
